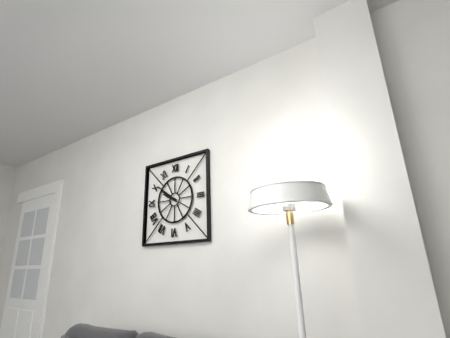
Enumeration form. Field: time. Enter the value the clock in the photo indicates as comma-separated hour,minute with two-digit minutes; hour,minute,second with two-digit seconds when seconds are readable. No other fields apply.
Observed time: 9,51
